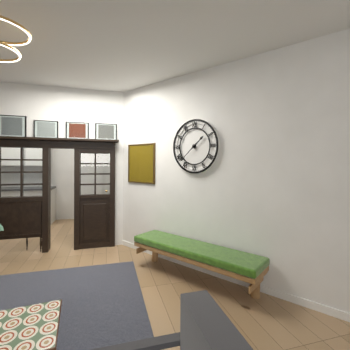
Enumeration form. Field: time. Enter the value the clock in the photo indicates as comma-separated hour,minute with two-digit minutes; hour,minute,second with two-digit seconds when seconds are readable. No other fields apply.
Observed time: 1,38
